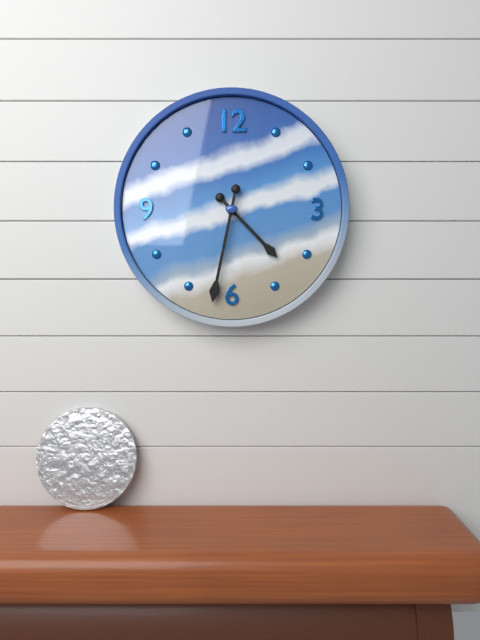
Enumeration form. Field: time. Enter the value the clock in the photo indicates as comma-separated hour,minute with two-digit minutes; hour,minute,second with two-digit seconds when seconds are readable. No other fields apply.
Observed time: 4,32
